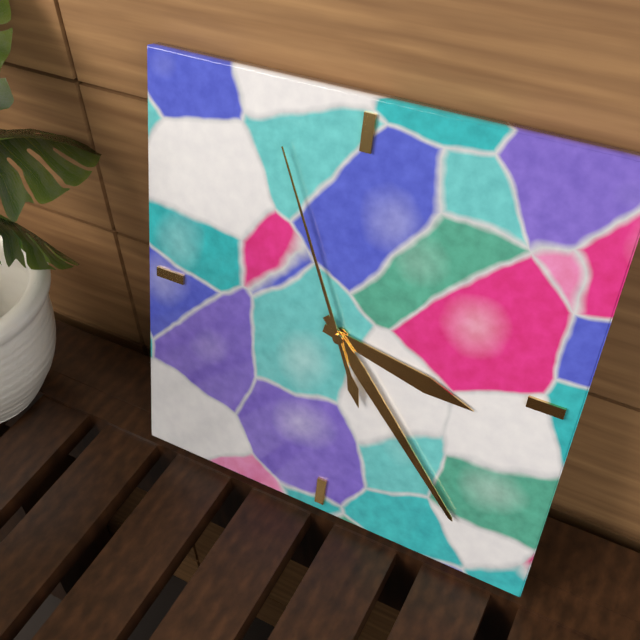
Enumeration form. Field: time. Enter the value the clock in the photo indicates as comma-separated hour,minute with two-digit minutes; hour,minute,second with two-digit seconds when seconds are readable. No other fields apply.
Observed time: 3,23,56
